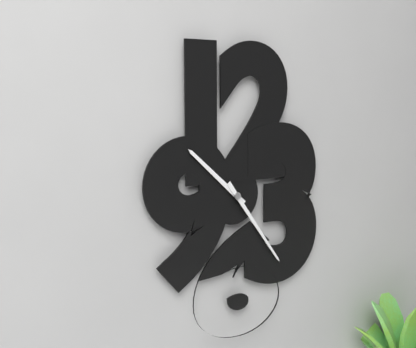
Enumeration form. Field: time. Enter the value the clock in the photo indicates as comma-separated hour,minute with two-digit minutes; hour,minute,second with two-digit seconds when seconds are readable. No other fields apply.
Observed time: 10,24
